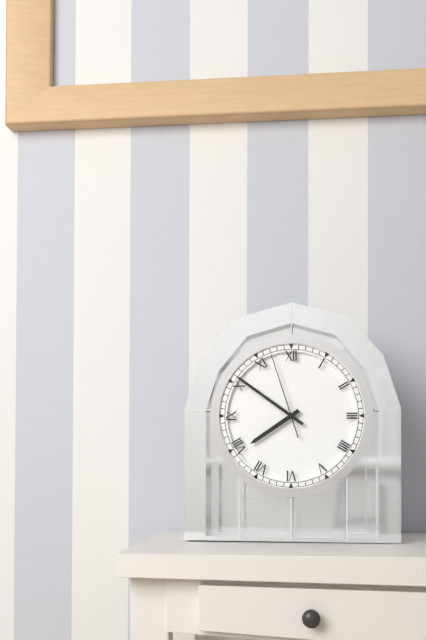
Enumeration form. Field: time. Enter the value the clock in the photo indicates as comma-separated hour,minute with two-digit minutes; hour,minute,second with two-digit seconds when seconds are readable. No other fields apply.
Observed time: 7,51,57
